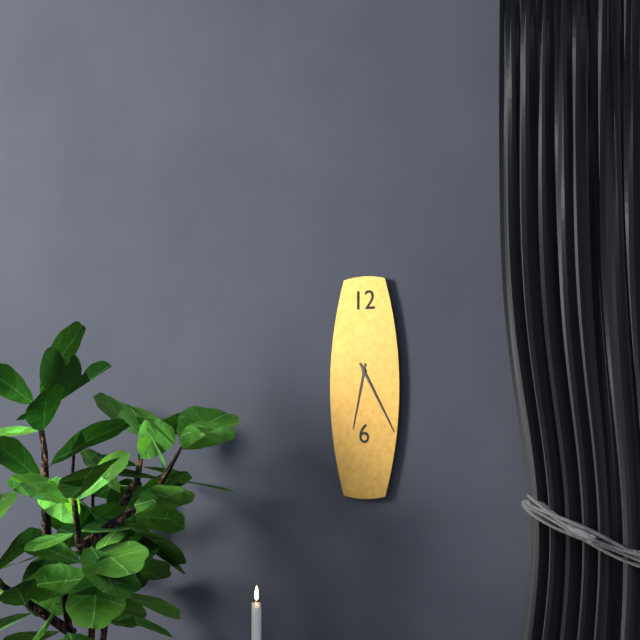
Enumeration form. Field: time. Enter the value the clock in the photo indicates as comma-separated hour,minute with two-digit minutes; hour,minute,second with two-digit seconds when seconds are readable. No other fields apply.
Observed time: 6,25
